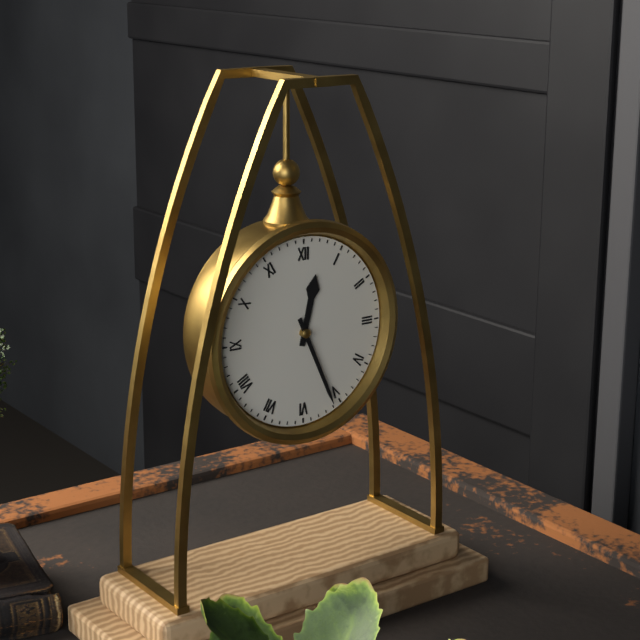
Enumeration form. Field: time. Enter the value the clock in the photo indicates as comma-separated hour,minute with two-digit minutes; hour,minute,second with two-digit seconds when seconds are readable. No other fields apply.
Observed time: 12,26
